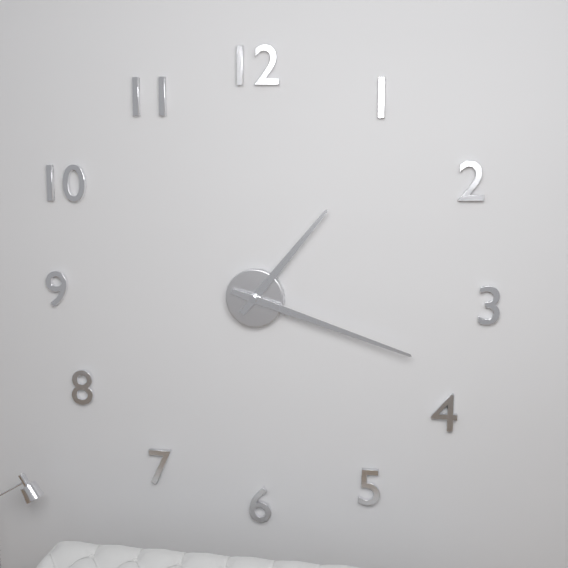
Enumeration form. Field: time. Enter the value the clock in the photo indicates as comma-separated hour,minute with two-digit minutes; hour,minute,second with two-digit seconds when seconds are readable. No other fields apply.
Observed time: 1,18
